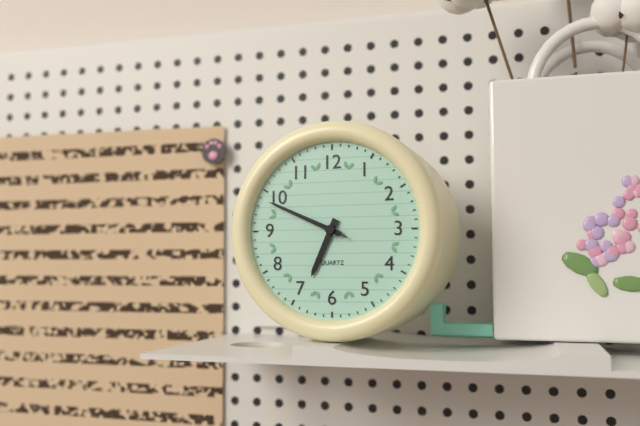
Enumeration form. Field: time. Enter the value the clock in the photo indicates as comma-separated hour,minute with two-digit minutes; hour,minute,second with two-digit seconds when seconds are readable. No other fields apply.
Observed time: 6,49,49
